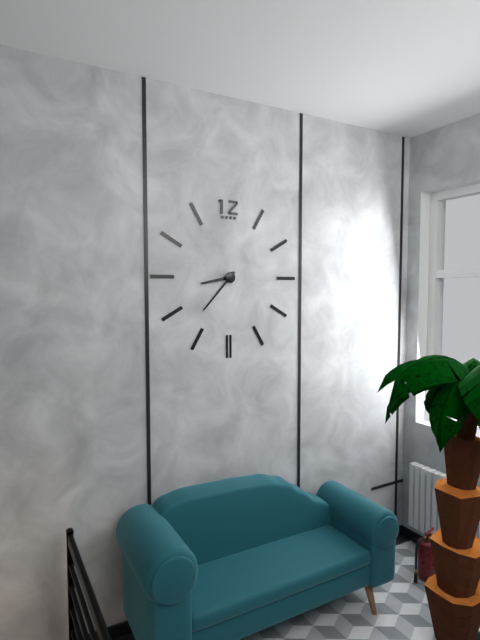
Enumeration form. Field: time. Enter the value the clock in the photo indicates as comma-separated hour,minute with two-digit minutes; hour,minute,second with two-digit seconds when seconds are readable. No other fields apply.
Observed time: 8,37
